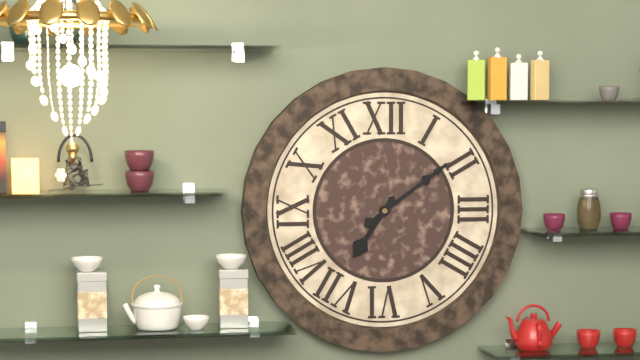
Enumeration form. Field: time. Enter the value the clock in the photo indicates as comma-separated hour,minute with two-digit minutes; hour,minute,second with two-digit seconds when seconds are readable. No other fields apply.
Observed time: 7,09
